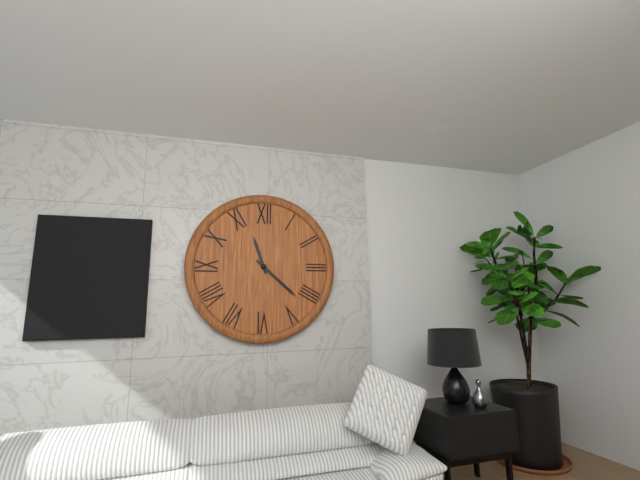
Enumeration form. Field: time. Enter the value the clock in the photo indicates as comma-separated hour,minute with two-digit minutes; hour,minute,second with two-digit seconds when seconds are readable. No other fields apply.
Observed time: 11,22
